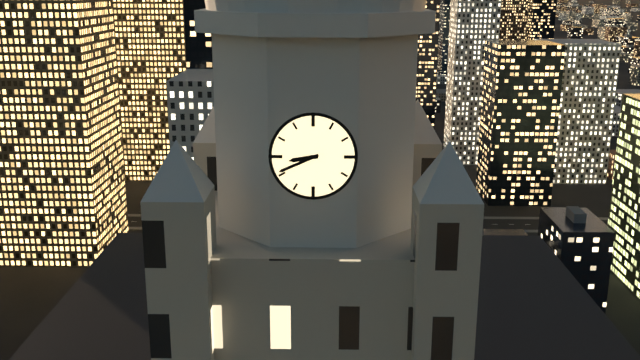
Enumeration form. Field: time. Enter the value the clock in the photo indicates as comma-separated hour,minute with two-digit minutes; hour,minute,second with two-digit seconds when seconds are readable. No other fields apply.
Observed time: 8,41
